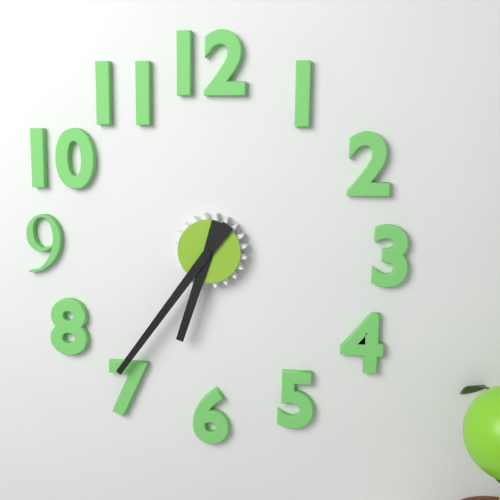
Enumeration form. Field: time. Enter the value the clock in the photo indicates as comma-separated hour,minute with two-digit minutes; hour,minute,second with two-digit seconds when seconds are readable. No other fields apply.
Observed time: 6,36
